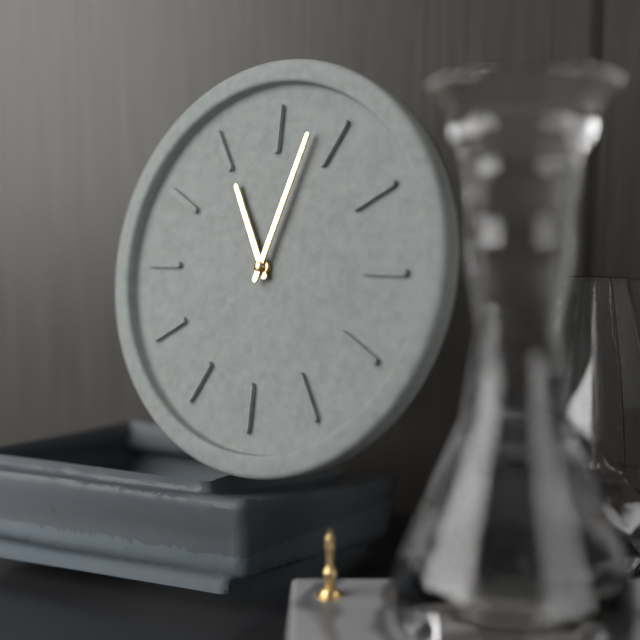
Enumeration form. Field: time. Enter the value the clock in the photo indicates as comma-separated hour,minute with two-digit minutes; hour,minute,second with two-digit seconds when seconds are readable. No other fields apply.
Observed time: 11,03
